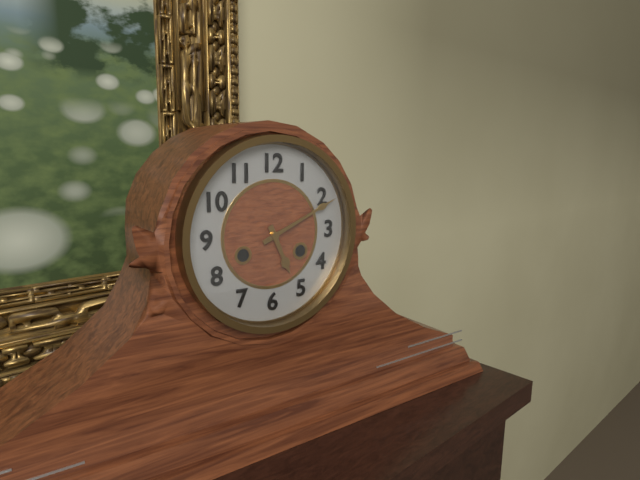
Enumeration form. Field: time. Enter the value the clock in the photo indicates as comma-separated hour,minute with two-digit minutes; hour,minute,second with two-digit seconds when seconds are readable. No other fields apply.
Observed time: 5,11
